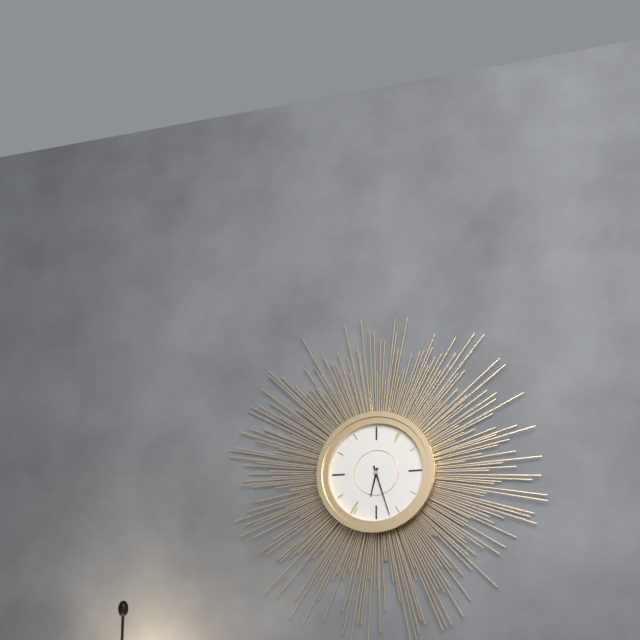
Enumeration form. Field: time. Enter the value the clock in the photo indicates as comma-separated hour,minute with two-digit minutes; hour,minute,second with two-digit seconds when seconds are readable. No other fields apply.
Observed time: 6,27
